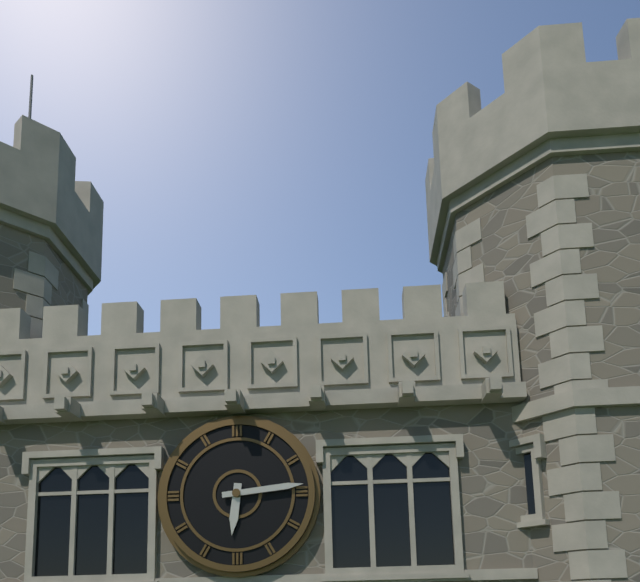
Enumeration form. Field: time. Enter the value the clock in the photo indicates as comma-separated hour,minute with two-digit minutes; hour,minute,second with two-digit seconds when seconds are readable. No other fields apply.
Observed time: 6,14
